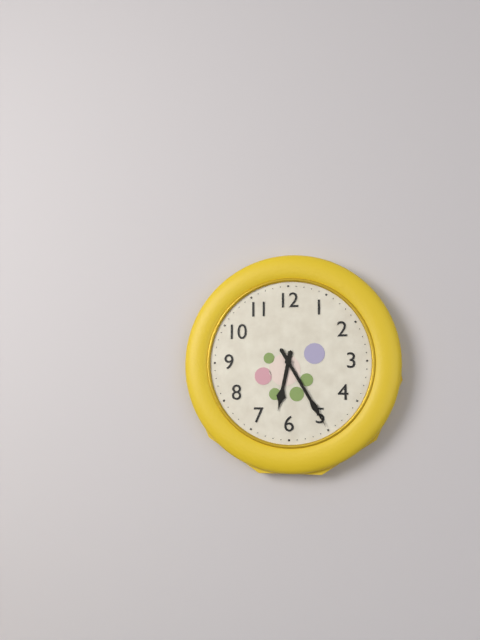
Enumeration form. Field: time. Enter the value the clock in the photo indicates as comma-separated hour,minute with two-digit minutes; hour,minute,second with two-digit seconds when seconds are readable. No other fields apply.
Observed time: 6,25
